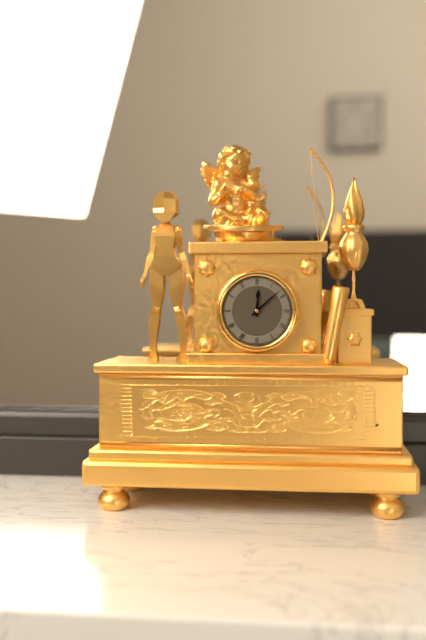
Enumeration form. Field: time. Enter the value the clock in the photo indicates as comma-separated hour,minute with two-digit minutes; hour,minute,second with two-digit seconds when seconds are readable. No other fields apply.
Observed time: 12,08
